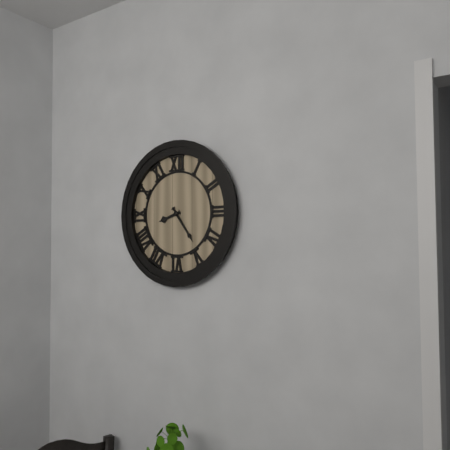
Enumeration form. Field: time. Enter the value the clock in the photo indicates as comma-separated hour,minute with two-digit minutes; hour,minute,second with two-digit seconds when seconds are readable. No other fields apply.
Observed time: 8,24
